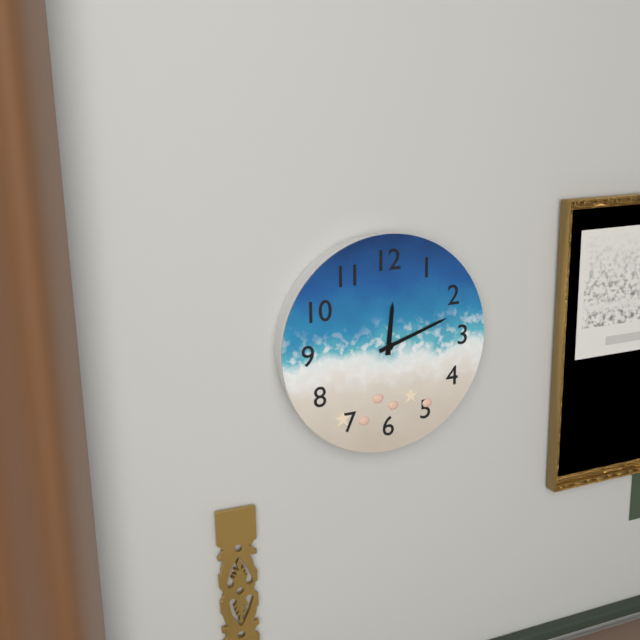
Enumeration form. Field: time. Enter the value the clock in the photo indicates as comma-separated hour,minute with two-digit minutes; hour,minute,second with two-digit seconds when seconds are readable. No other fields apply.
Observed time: 12,12
